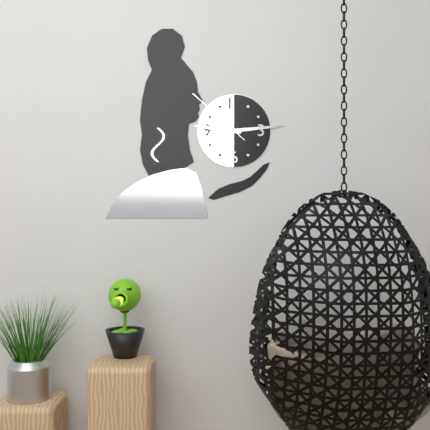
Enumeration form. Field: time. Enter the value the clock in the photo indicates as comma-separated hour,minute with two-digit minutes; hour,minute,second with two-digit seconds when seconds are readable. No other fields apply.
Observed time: 9,14,52
